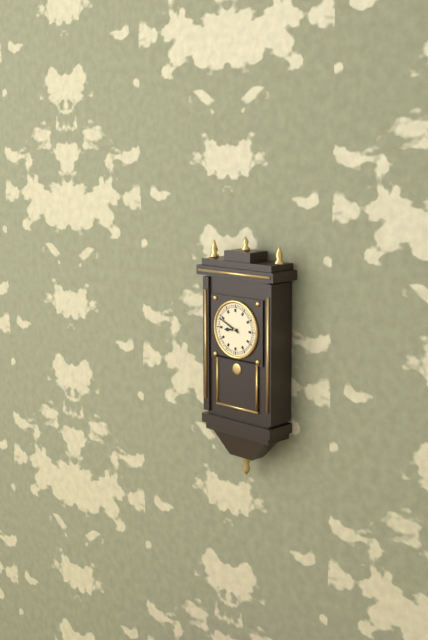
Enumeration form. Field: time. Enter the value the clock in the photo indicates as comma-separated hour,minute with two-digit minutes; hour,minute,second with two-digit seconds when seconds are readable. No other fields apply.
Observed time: 8,49
